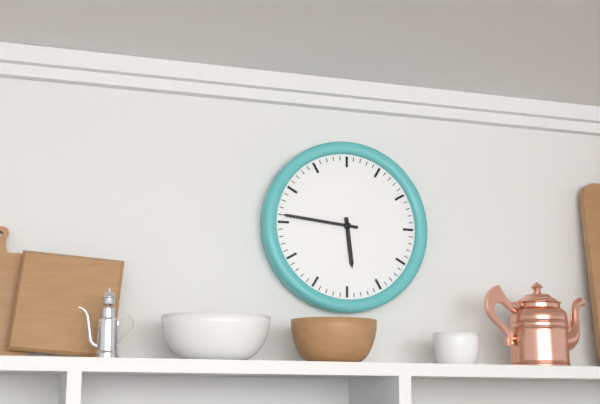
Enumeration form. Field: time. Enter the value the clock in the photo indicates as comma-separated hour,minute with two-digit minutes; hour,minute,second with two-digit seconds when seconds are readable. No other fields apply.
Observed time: 5,46
